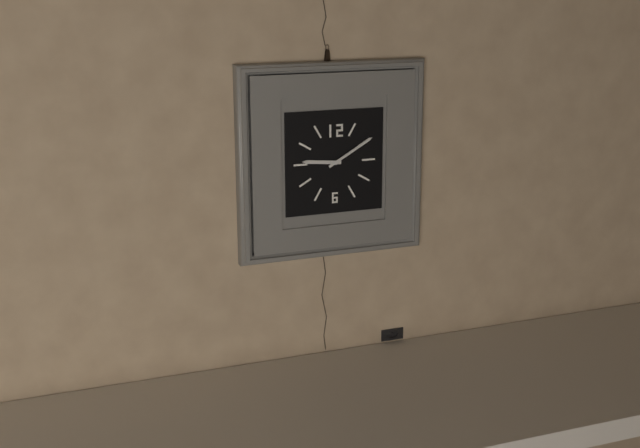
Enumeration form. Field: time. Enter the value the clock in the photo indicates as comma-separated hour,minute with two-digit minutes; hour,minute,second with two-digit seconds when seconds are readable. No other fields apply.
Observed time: 9,10
